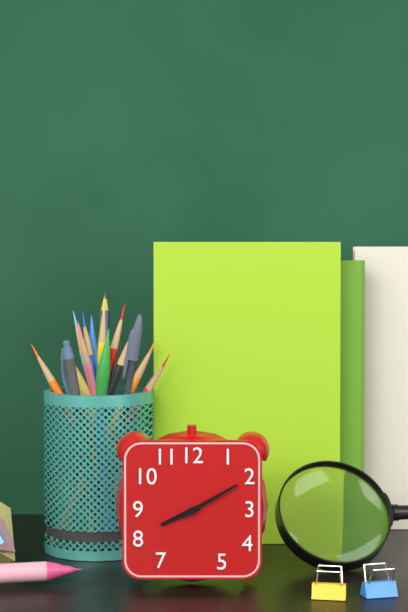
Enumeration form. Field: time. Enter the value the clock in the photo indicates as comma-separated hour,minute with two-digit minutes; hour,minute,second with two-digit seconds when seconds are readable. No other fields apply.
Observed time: 8,10
